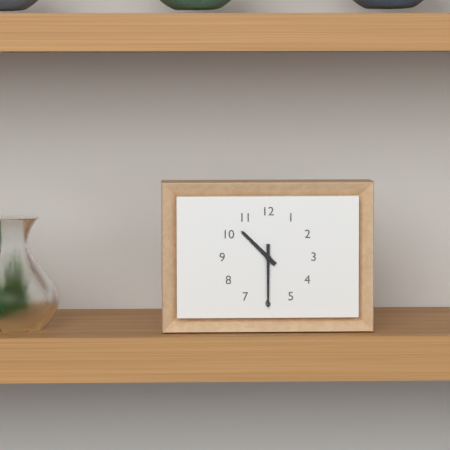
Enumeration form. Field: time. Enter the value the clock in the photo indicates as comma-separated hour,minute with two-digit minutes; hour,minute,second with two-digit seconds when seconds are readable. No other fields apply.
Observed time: 10,30
